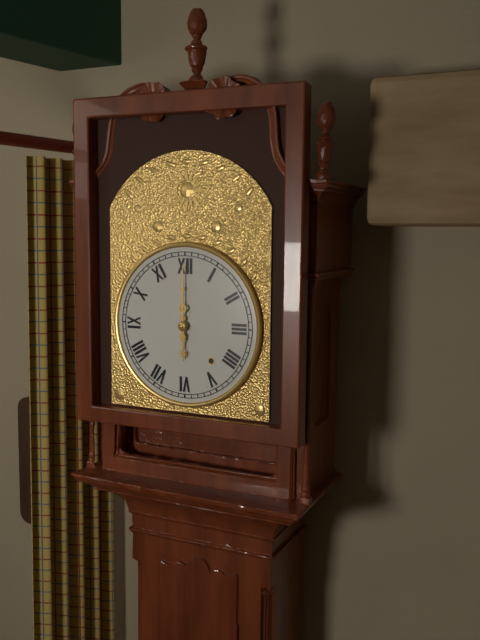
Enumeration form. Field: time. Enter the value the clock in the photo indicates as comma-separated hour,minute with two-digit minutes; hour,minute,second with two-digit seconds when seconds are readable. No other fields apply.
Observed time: 6,00
